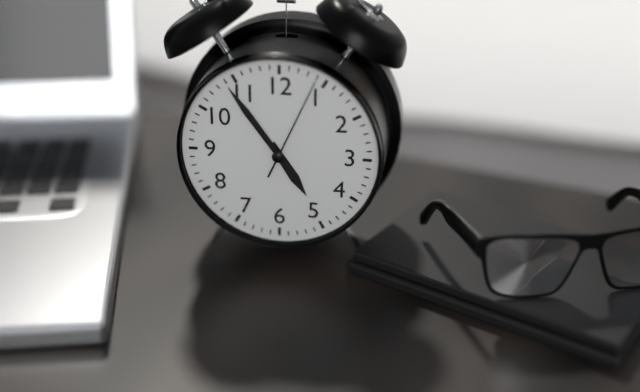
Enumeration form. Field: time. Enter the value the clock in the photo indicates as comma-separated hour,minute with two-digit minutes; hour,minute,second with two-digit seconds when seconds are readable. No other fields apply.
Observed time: 4,54,04
